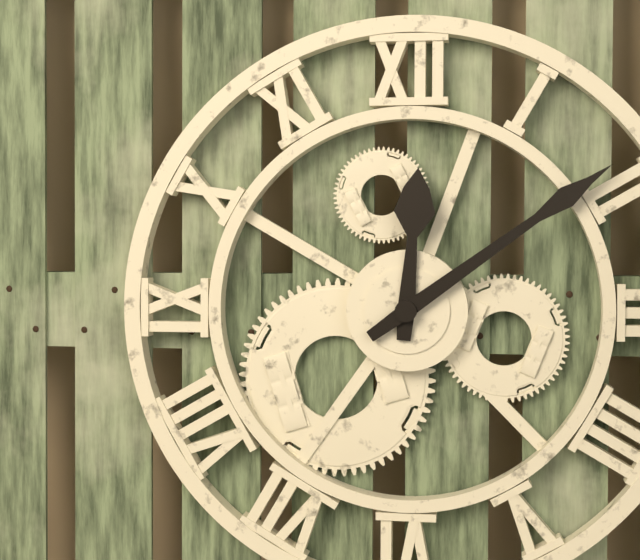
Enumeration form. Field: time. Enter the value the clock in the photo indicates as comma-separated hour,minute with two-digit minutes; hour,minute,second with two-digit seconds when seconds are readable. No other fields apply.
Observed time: 12,09
